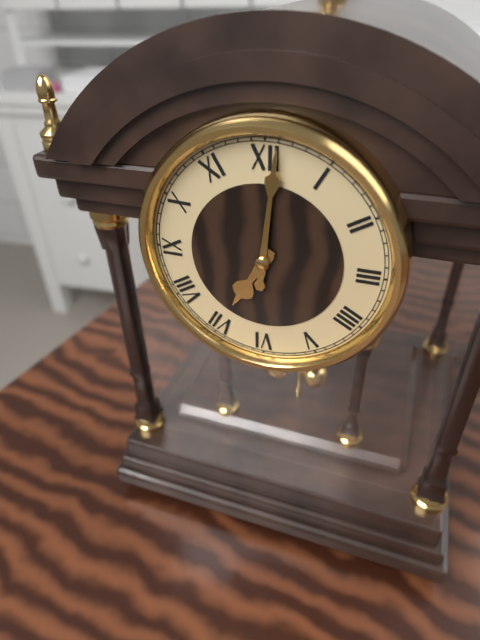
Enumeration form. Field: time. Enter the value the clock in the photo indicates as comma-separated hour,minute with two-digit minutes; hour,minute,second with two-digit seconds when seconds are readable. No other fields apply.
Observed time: 7,01
